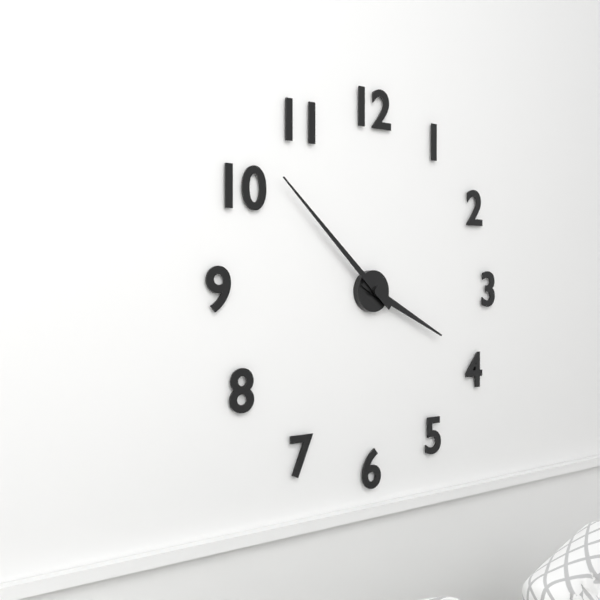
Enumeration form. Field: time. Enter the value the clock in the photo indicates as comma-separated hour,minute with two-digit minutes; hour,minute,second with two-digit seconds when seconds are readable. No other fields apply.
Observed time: 3,52
